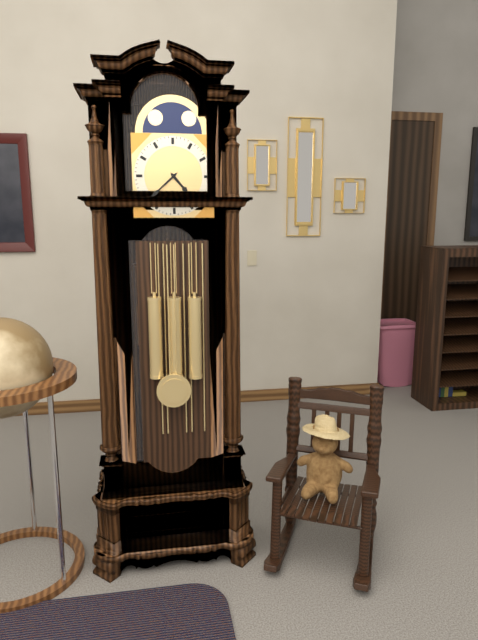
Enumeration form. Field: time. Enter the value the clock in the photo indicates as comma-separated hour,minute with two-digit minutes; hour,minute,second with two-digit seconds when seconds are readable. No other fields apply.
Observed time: 4,38
